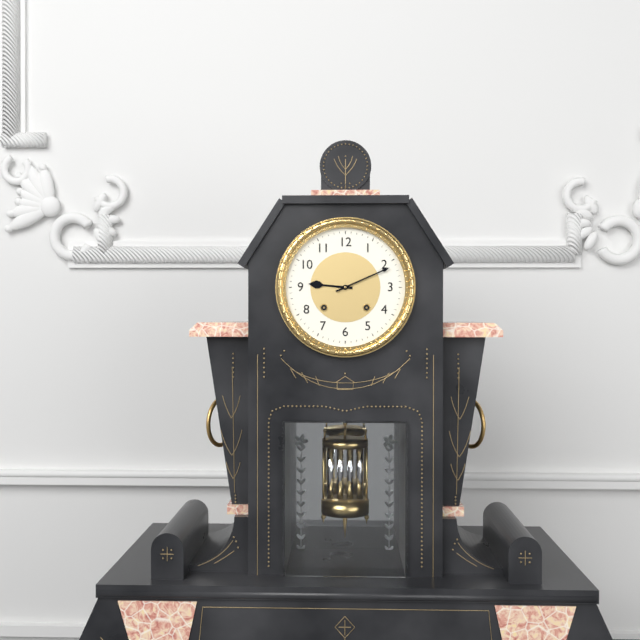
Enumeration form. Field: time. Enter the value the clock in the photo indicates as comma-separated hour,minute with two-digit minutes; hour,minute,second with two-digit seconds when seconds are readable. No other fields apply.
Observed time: 9,11
